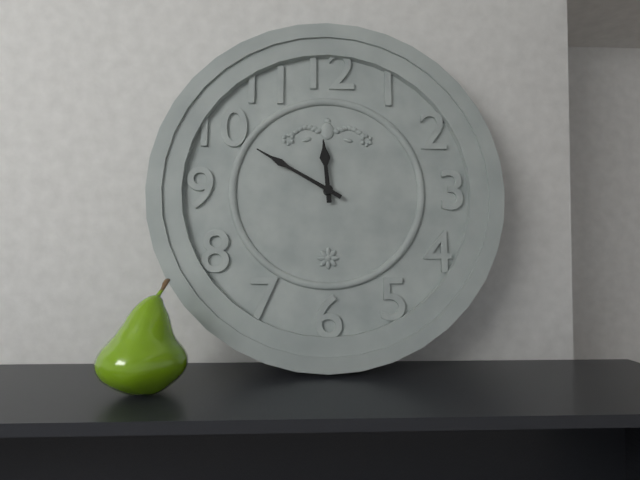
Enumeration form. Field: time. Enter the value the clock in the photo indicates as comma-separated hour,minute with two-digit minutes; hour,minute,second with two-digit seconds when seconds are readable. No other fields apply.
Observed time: 11,50
